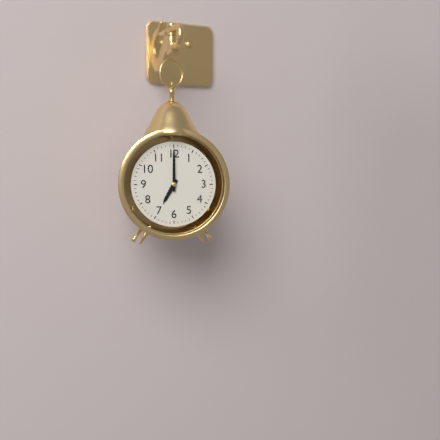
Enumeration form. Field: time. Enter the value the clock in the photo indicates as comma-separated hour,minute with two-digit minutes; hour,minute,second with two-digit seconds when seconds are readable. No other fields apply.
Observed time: 7,00
